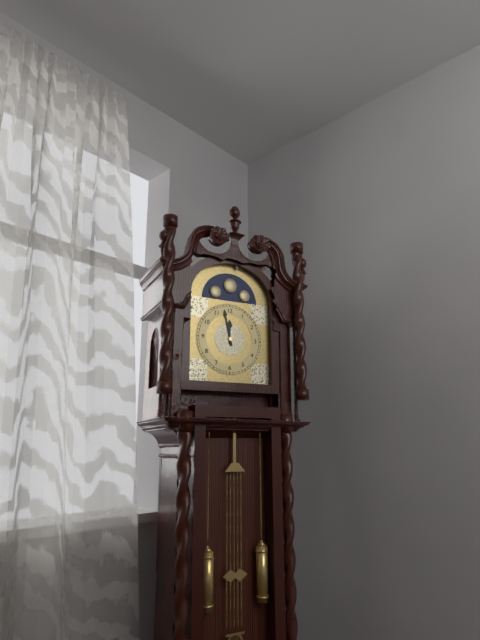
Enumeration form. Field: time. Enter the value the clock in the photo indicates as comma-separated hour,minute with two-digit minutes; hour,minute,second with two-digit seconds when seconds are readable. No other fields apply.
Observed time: 11,58
